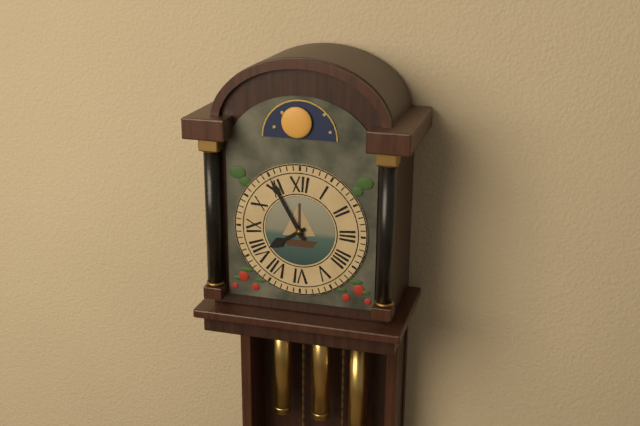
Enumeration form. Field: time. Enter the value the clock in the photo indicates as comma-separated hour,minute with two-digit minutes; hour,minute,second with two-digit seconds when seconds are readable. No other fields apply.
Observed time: 7,55
